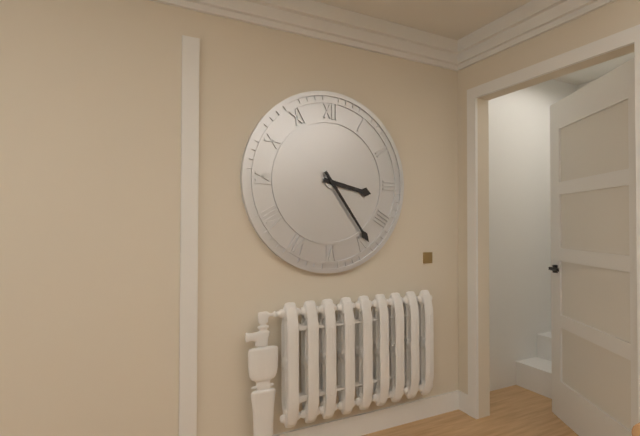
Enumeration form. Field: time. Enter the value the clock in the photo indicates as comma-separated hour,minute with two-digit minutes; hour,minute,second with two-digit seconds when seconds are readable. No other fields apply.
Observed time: 3,24
